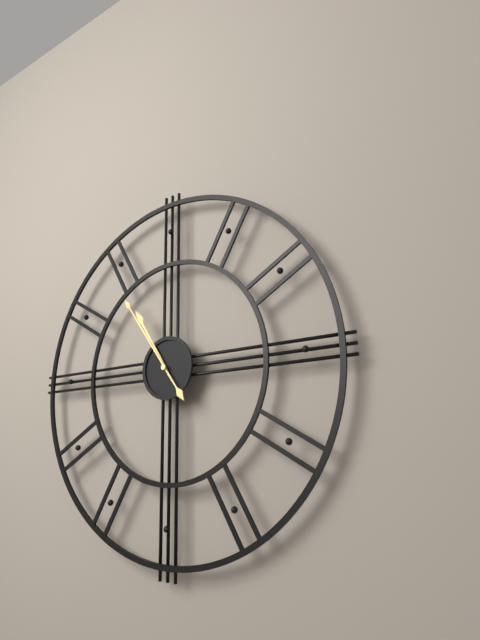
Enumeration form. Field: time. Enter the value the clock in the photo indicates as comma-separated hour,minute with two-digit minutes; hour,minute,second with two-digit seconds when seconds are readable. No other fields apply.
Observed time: 10,54
